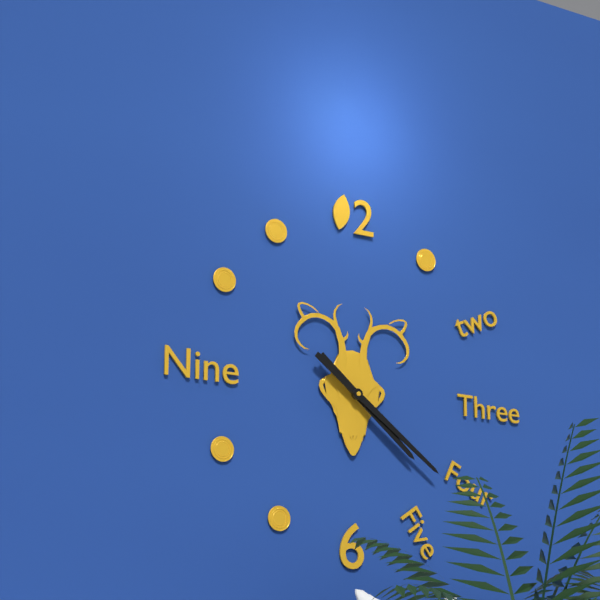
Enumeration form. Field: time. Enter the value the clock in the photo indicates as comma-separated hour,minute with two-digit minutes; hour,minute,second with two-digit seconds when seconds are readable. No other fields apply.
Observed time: 4,21
